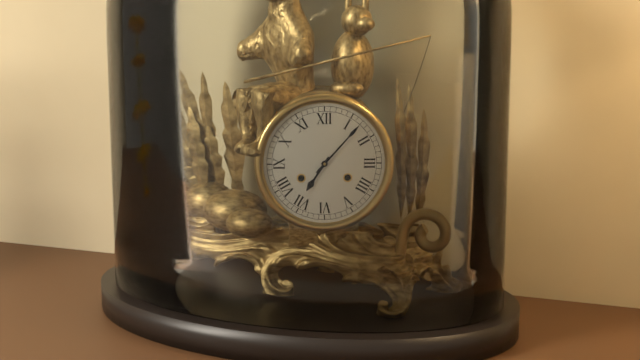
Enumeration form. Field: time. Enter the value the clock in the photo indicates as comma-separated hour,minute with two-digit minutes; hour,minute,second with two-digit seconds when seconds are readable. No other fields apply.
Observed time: 7,07
